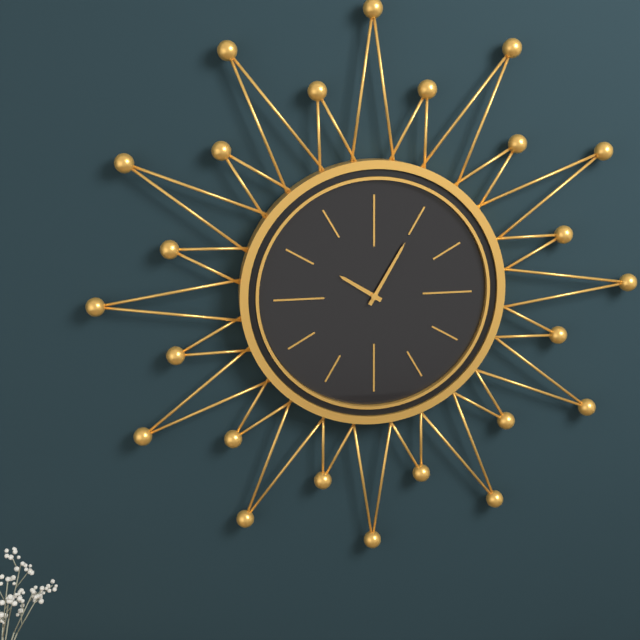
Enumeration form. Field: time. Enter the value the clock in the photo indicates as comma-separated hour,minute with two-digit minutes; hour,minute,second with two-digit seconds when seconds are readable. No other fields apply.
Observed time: 10,05
